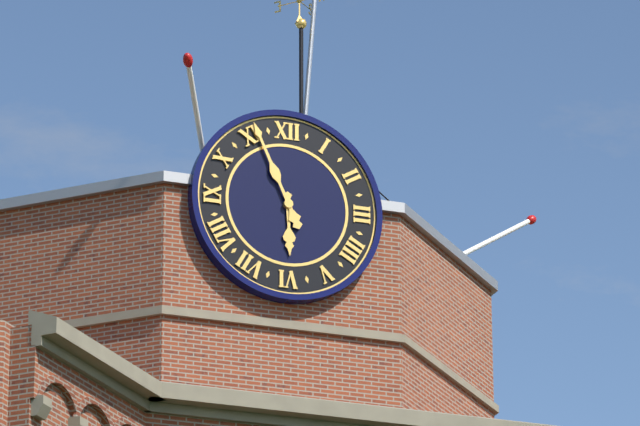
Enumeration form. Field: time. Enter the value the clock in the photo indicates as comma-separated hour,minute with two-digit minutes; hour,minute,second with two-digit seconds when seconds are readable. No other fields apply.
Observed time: 5,56
